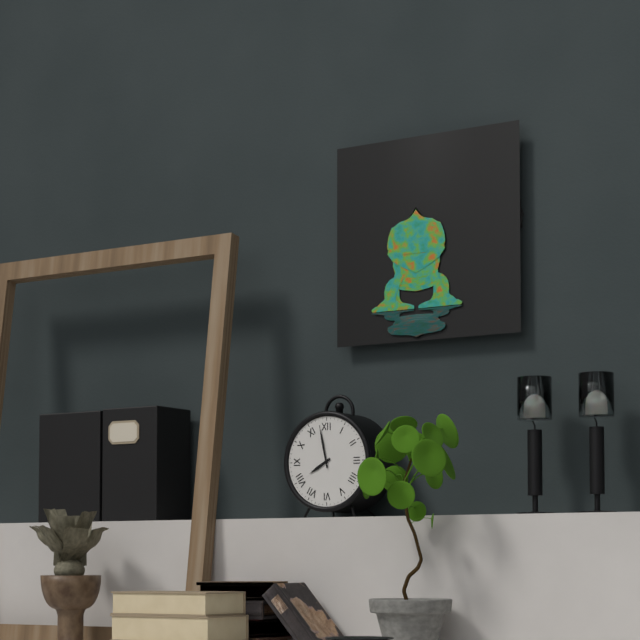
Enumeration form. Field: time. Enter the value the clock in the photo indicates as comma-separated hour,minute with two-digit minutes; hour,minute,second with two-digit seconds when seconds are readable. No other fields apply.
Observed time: 7,58
